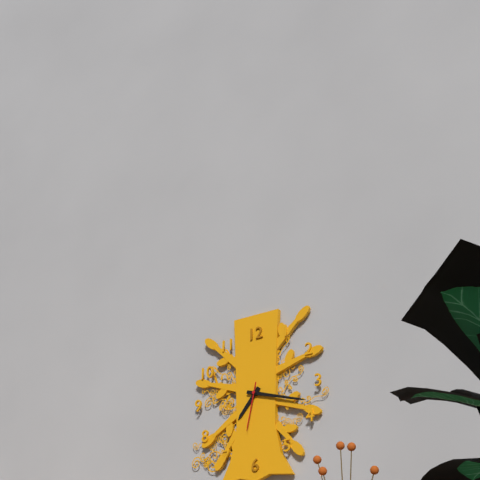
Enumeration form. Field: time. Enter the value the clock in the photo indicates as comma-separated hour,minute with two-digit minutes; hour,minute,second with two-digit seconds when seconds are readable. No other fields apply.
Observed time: 7,18
